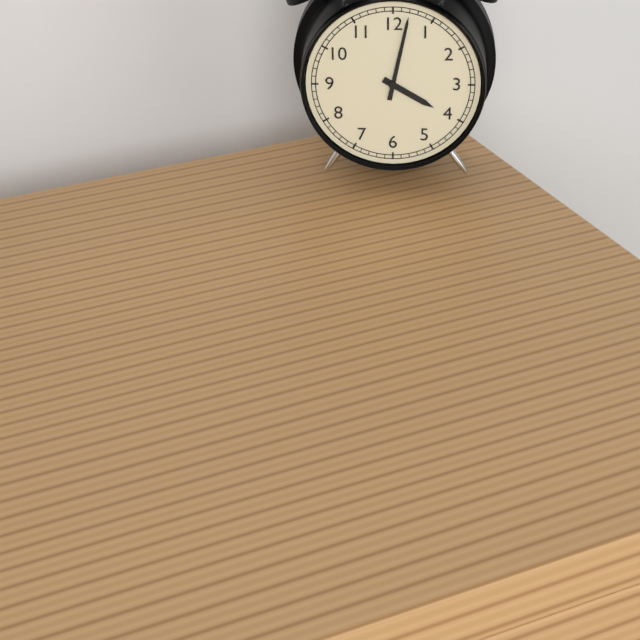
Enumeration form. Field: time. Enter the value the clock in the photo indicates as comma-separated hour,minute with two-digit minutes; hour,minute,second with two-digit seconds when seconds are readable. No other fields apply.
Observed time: 4,02
